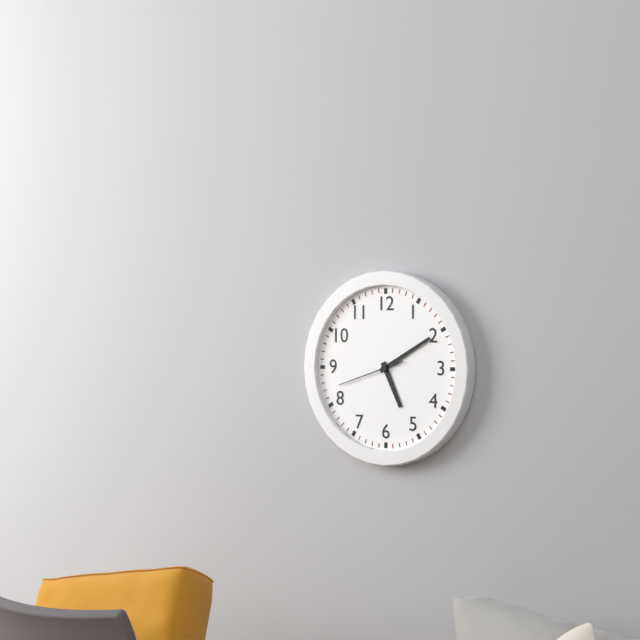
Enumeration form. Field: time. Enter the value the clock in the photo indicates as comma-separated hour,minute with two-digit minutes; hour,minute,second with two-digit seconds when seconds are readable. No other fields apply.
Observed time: 5,10,42
